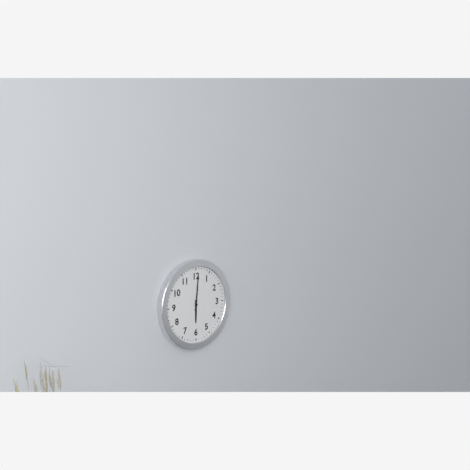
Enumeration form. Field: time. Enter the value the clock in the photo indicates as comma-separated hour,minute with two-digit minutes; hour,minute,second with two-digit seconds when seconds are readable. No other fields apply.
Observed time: 6,01
